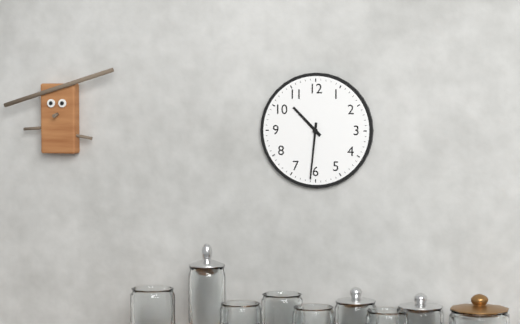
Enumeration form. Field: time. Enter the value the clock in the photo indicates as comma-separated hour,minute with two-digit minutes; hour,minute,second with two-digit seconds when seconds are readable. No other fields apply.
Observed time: 10,31
